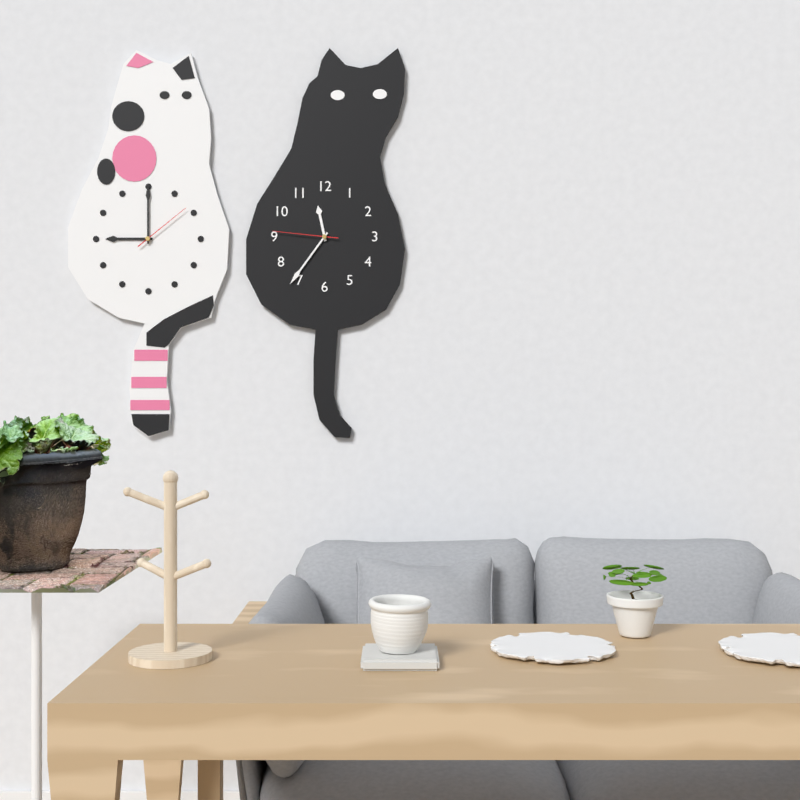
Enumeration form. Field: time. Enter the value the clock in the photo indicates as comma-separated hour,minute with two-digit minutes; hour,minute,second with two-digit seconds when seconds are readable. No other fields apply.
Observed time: 11,36,46
